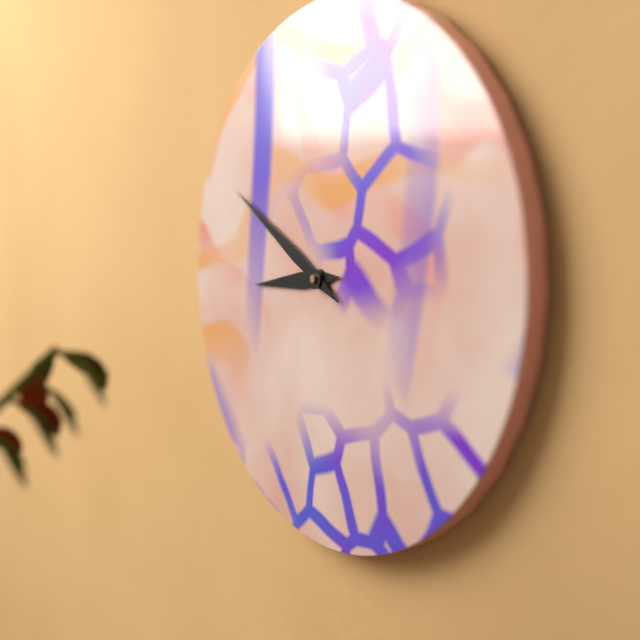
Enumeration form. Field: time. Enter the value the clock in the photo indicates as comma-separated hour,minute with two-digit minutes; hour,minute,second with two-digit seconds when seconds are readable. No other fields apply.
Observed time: 8,50
